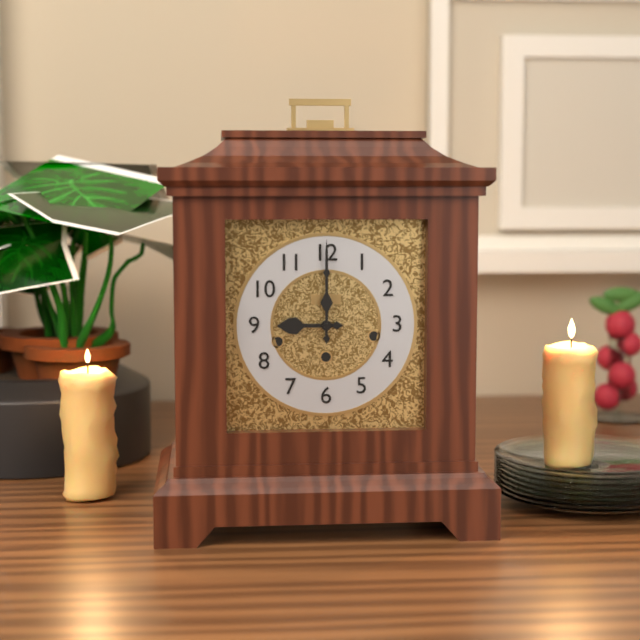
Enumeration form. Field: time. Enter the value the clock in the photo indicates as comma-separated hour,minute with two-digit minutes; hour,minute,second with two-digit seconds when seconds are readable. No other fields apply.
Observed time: 9,00
